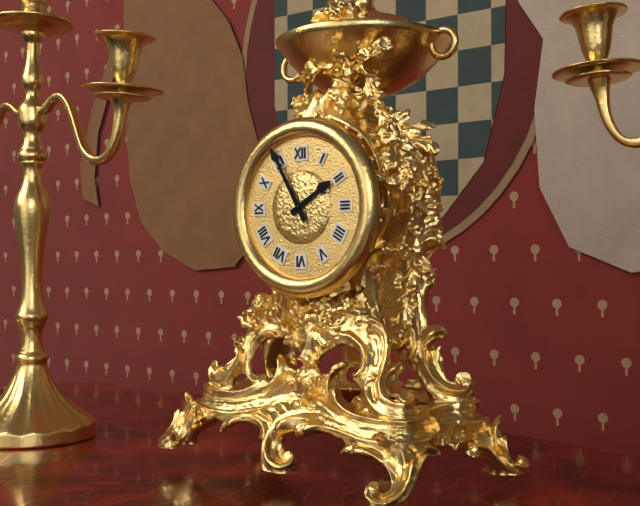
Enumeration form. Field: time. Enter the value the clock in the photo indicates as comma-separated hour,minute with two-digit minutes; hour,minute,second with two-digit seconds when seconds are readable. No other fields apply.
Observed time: 1,55
